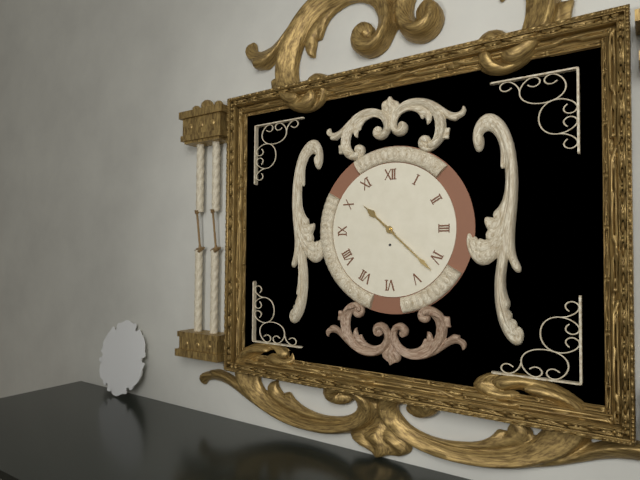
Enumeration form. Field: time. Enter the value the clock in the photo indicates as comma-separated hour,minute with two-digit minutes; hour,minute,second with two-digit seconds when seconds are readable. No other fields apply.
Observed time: 10,22
